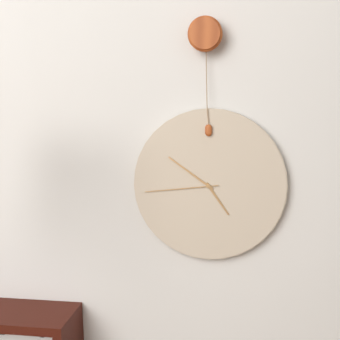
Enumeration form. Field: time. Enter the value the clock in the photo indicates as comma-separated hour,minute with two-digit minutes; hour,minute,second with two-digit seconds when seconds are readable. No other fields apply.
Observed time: 4,51,44
